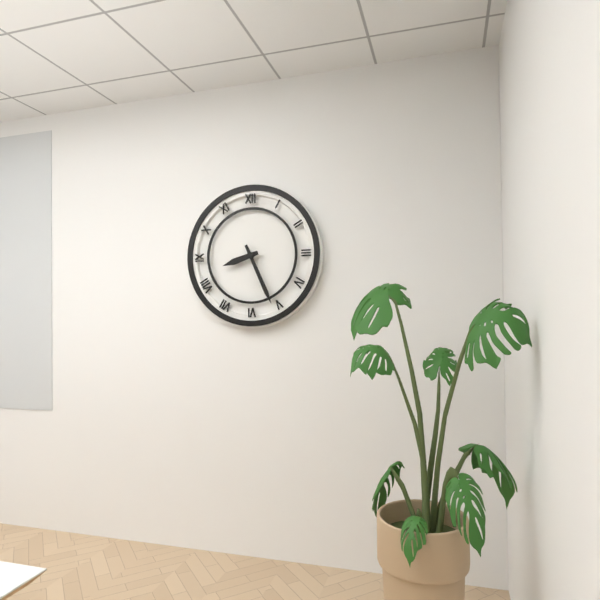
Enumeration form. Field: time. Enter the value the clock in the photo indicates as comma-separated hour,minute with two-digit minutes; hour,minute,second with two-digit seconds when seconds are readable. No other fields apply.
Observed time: 8,26
